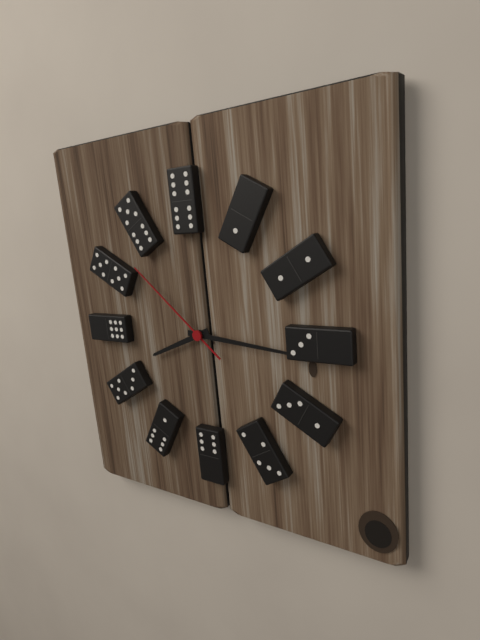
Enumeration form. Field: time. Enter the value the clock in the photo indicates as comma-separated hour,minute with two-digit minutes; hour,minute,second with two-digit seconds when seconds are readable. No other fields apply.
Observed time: 8,16,52
